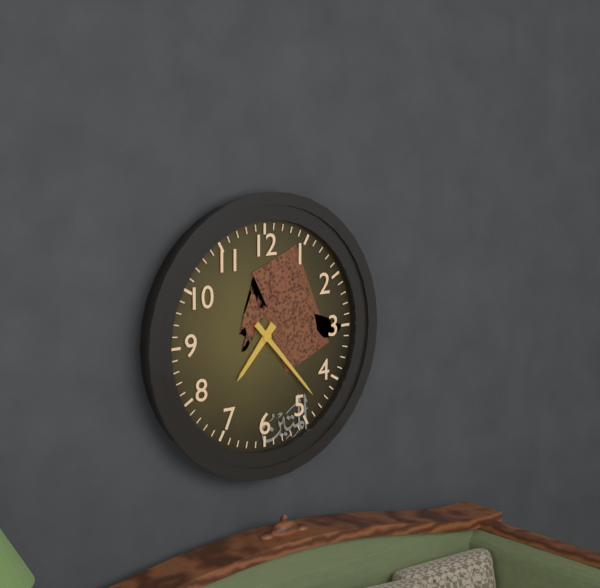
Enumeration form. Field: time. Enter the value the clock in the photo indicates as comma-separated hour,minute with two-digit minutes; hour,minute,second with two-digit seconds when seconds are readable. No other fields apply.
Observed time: 7,23
